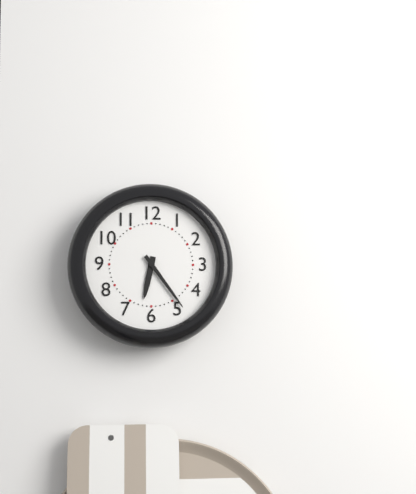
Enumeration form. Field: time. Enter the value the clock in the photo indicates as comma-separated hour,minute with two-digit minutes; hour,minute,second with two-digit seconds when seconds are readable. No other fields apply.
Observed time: 6,24
